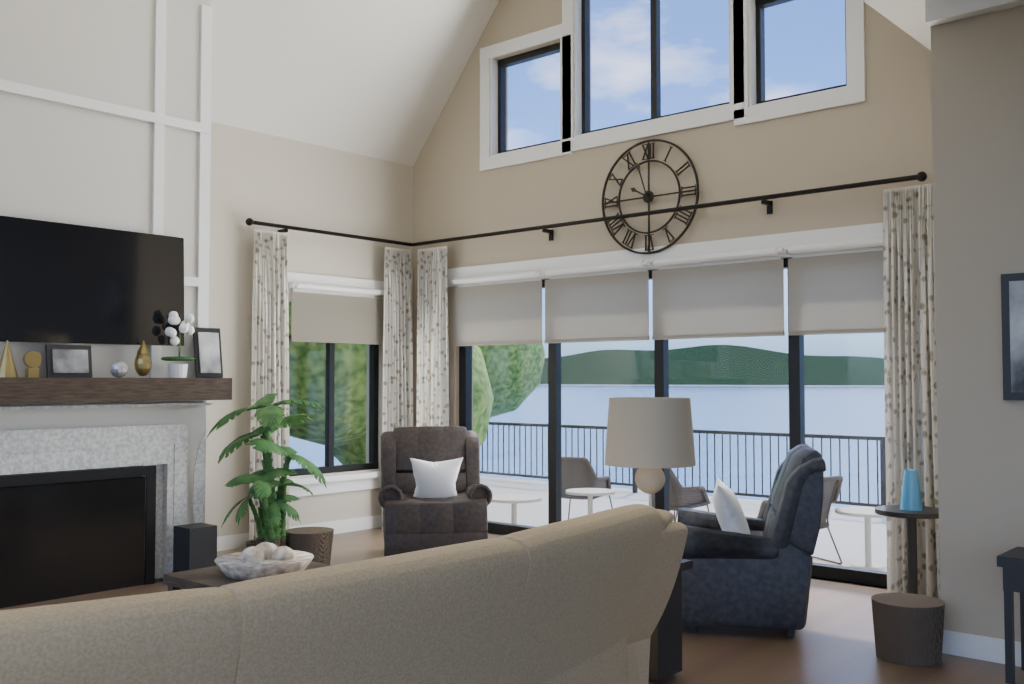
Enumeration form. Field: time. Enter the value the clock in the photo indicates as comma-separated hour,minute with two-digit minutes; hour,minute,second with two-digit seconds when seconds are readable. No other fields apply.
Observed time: 9,57
